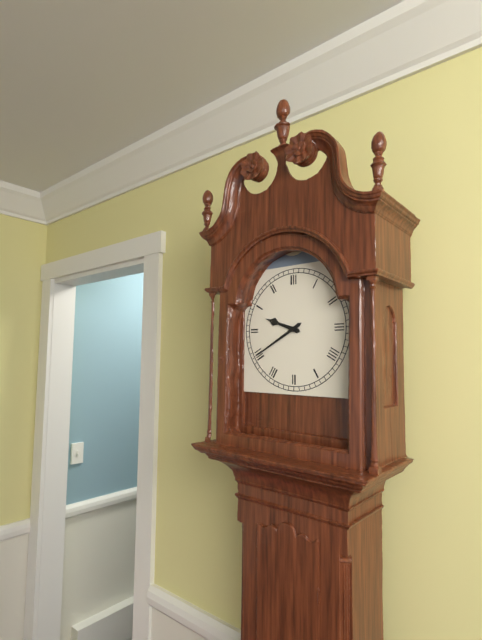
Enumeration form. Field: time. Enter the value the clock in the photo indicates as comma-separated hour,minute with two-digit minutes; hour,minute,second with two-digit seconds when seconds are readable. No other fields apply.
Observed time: 9,40
